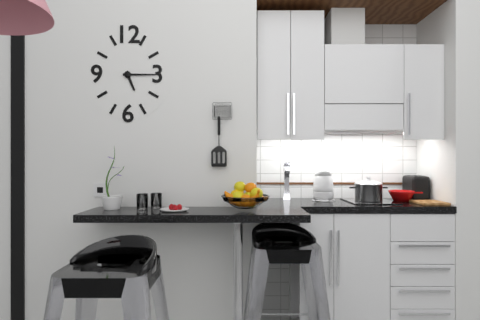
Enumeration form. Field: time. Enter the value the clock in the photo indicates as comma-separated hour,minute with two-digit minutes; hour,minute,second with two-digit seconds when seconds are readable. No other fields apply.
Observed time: 5,15
